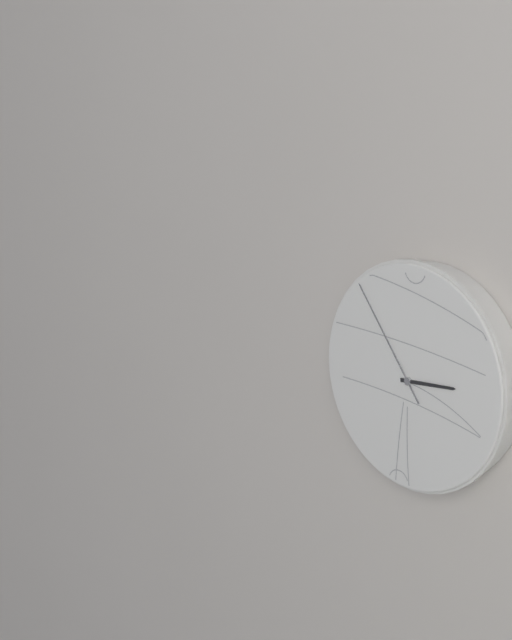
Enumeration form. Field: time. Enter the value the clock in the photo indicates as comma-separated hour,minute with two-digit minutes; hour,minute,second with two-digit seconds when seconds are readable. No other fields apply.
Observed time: 2,54
